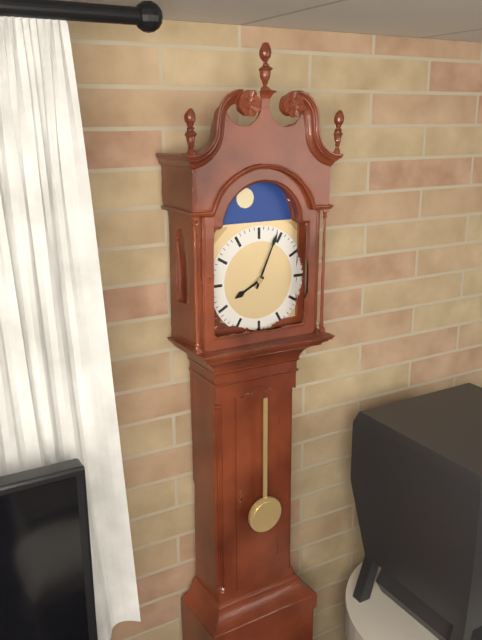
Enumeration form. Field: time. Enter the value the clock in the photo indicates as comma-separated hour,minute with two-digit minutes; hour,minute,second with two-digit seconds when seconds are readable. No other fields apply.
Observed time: 8,04
